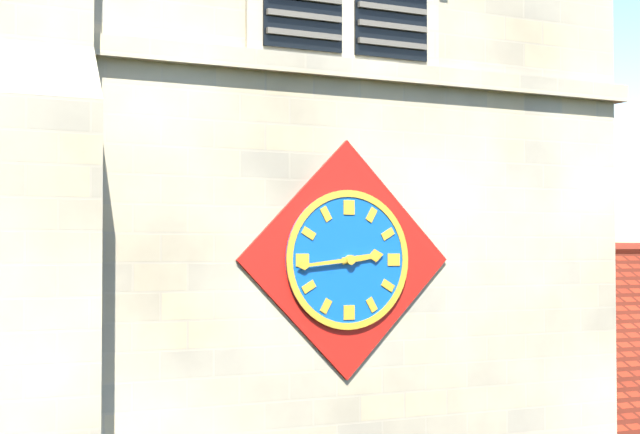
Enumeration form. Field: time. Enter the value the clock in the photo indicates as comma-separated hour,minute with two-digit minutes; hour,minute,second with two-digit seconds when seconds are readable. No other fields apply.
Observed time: 2,44
